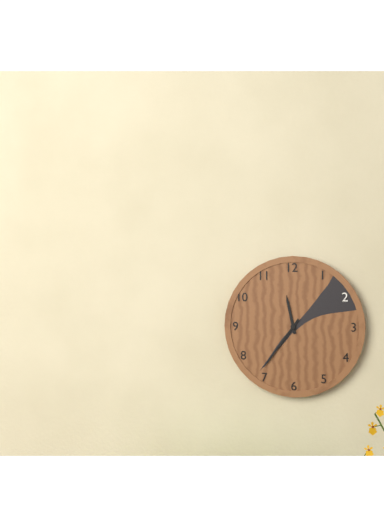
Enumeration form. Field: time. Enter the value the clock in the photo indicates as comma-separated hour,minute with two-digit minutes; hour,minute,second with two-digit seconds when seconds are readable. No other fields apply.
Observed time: 11,36
